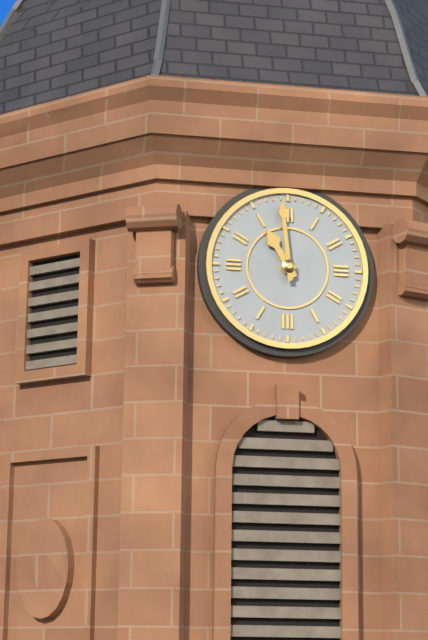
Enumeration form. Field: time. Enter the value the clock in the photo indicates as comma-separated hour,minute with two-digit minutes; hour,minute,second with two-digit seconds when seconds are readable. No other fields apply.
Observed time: 10,59
